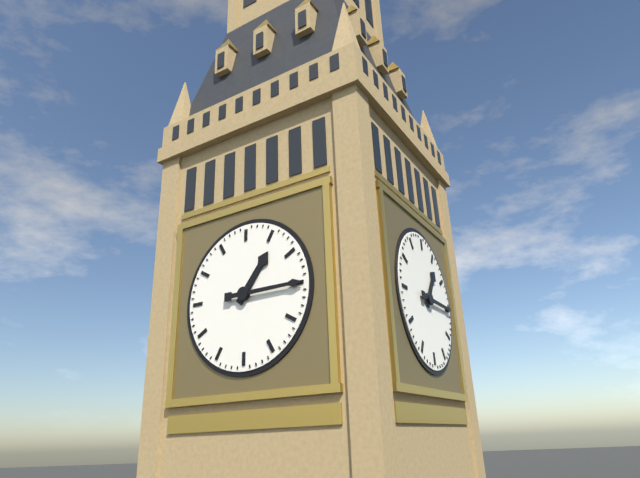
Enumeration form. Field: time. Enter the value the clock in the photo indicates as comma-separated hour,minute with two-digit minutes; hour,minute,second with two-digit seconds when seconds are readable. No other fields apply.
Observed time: 1,15
